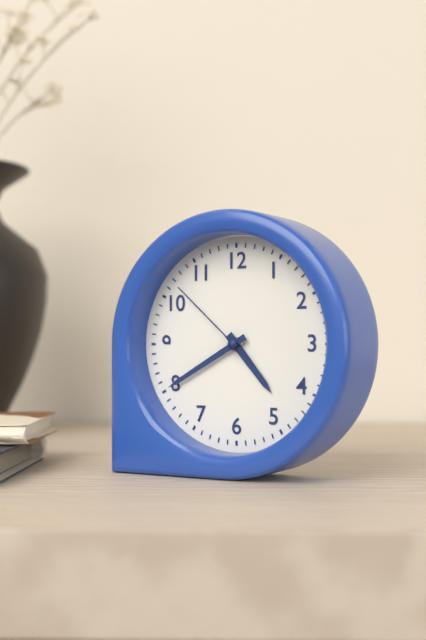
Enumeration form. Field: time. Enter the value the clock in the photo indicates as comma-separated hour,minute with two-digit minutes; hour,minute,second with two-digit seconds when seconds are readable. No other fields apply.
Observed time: 4,40,52
